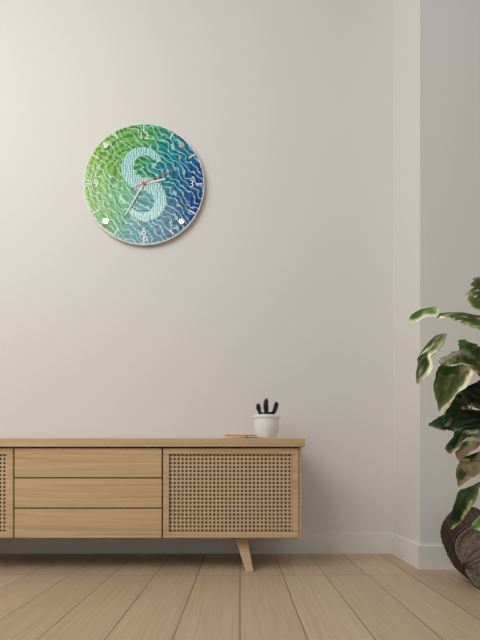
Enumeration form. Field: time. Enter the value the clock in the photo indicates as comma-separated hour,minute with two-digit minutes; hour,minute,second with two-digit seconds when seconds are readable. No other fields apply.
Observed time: 2,35
